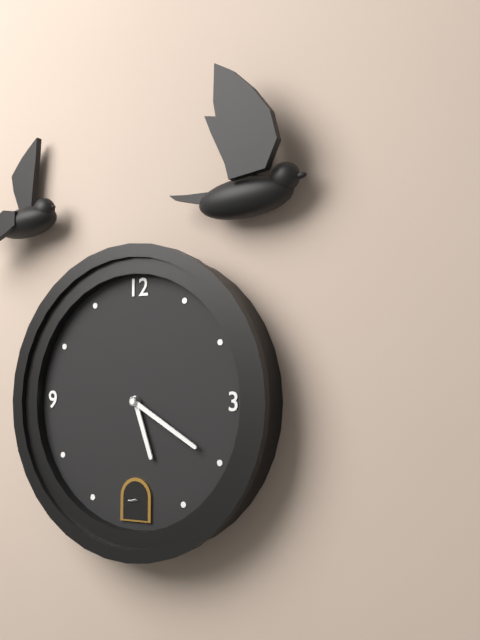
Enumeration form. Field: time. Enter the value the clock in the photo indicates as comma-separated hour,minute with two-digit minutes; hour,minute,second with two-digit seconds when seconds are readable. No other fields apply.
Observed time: 5,20
